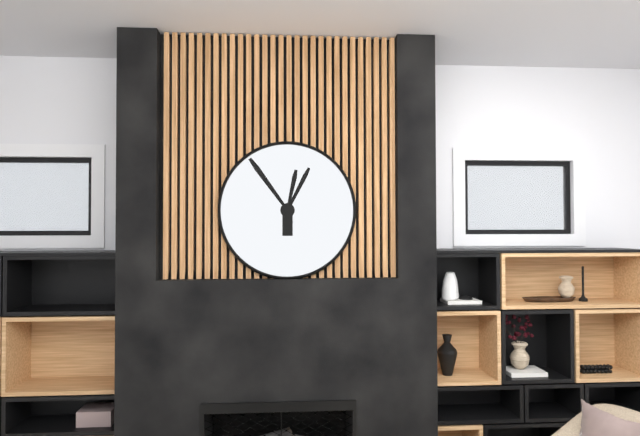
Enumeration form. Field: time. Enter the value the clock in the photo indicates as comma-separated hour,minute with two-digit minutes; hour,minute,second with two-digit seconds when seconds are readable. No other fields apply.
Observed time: 12,54,02
